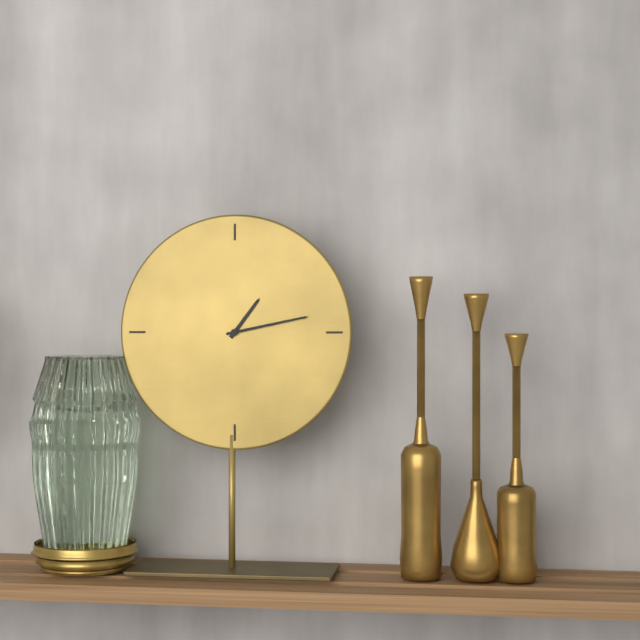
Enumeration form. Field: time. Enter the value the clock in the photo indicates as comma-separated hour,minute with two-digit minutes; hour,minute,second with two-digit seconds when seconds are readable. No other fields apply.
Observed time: 1,13
